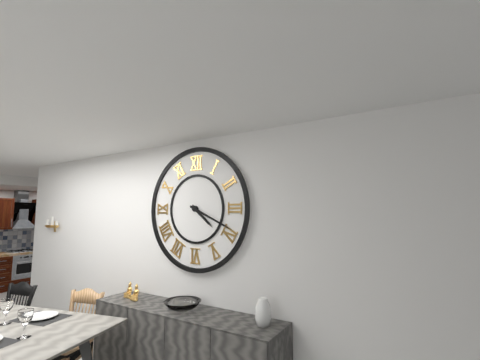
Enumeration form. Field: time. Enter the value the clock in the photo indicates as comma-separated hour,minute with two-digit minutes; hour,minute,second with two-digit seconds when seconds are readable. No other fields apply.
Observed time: 4,19
